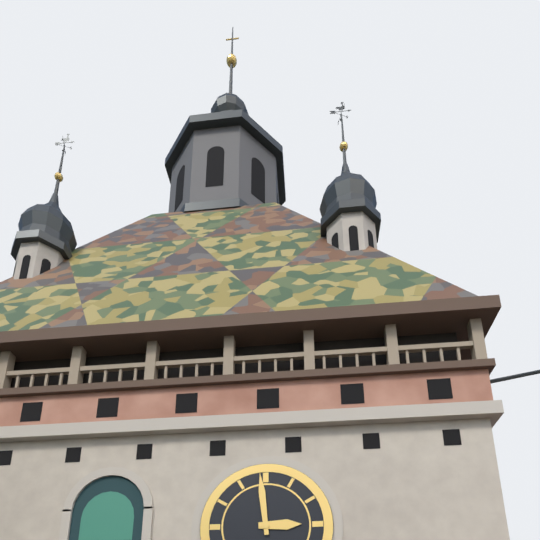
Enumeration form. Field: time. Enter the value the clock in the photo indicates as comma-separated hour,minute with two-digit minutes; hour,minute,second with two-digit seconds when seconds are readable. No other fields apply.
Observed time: 2,59
